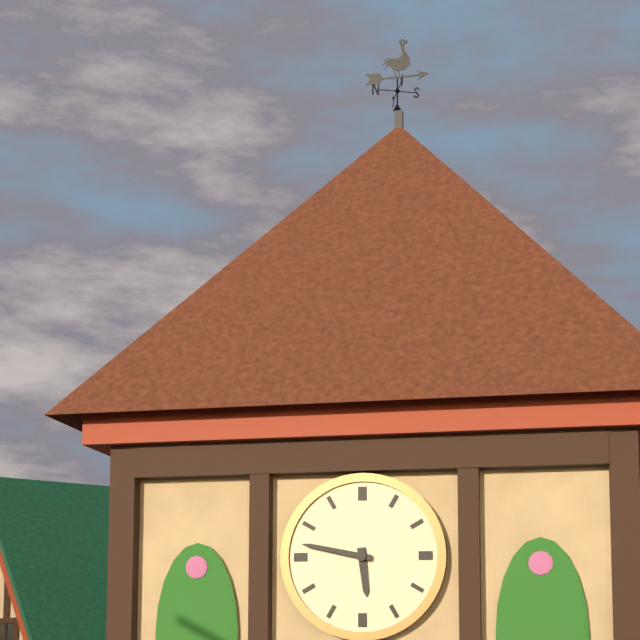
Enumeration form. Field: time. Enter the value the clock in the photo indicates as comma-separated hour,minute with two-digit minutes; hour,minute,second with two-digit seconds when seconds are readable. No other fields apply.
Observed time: 5,47
